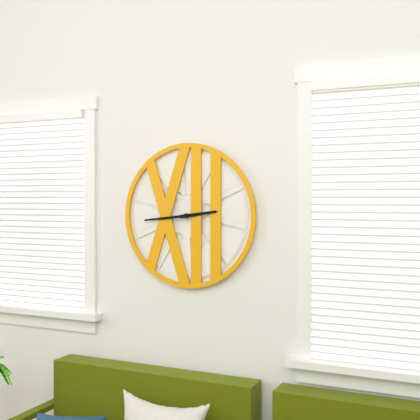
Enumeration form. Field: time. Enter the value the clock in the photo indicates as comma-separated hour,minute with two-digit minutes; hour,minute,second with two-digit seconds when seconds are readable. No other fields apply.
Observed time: 2,44
